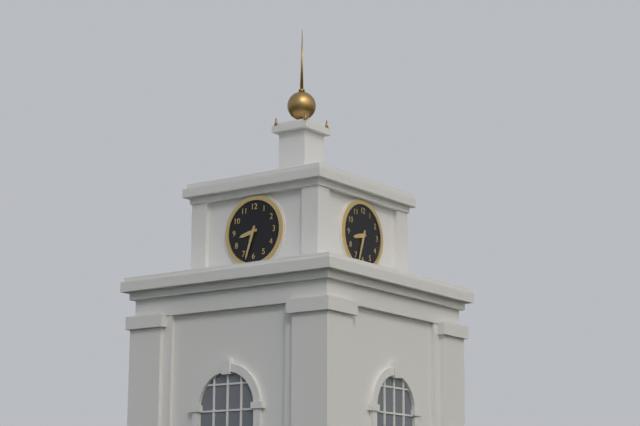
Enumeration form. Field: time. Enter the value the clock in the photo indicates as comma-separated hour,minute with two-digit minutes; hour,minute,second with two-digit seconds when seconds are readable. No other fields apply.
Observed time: 8,33
